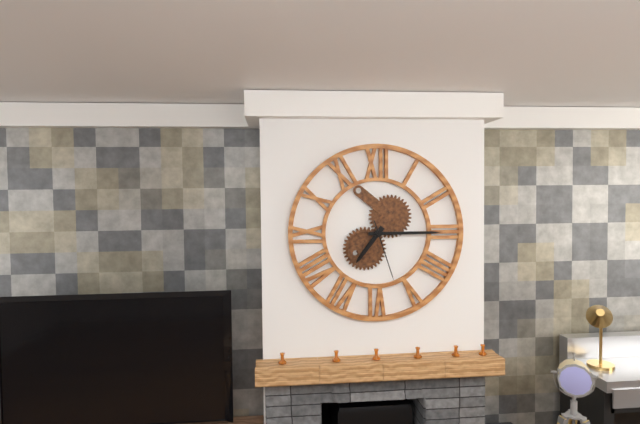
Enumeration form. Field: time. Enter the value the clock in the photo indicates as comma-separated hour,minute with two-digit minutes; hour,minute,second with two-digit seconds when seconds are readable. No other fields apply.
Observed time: 7,15,27
